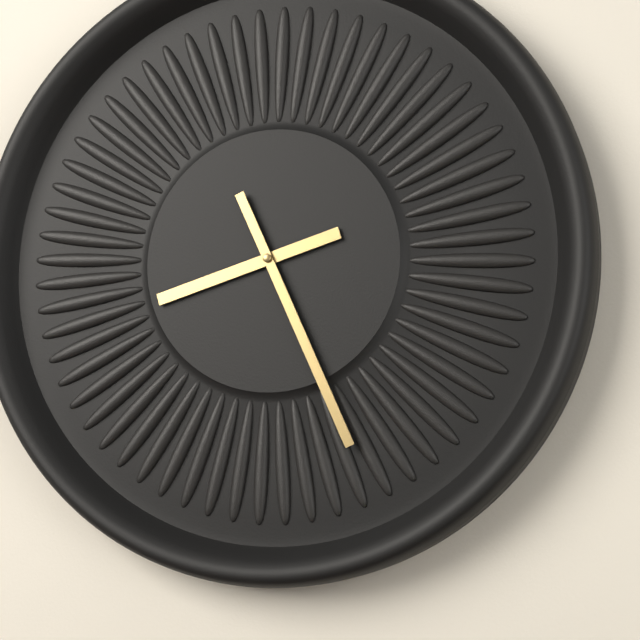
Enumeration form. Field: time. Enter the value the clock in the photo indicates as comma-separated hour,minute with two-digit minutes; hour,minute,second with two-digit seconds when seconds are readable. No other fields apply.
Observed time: 8,26
